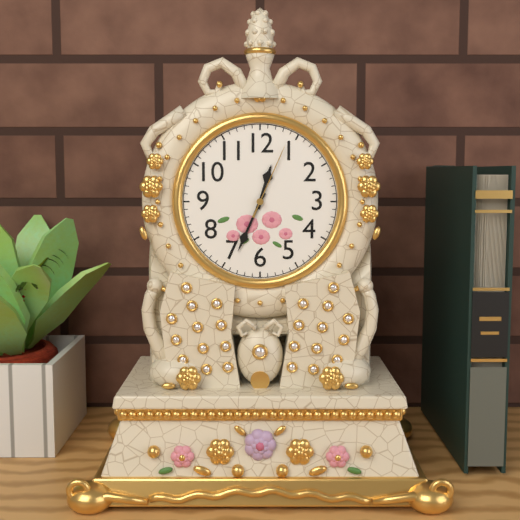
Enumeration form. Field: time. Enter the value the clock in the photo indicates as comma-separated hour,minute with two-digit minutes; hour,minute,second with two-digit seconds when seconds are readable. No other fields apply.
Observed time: 12,34,04
